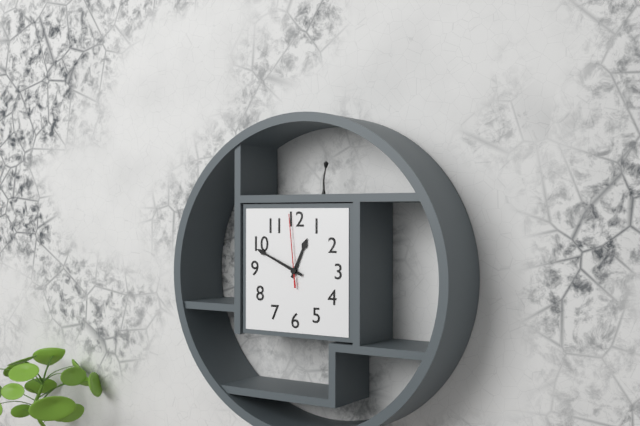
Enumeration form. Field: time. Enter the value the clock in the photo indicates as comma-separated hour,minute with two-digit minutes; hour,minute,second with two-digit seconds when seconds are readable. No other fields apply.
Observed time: 12,49,59
